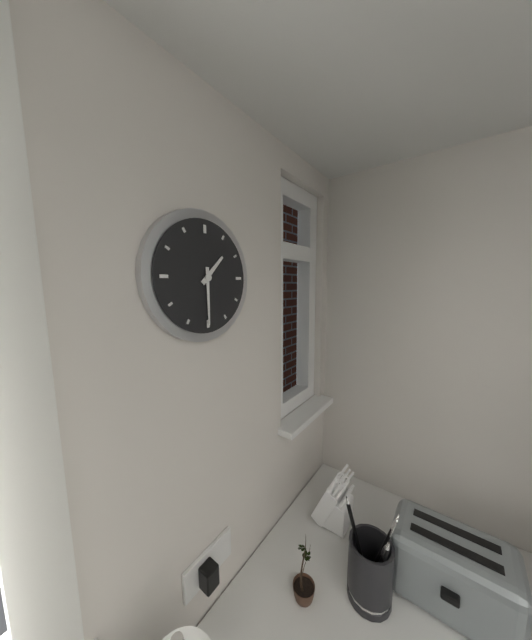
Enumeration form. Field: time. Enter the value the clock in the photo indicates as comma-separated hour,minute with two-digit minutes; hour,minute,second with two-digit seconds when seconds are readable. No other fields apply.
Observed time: 1,30
